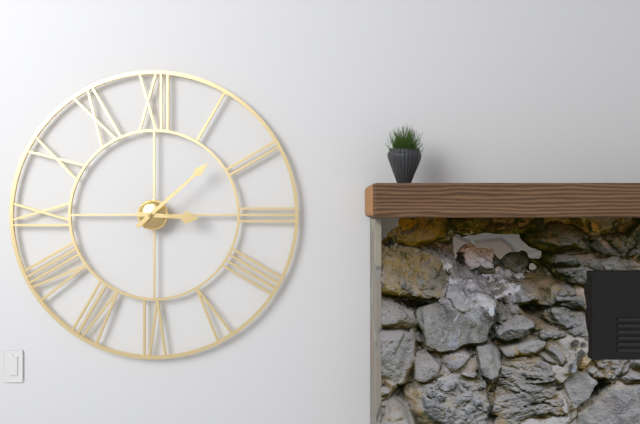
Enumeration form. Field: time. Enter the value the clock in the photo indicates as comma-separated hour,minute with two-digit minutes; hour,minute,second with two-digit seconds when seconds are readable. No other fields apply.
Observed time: 3,08
